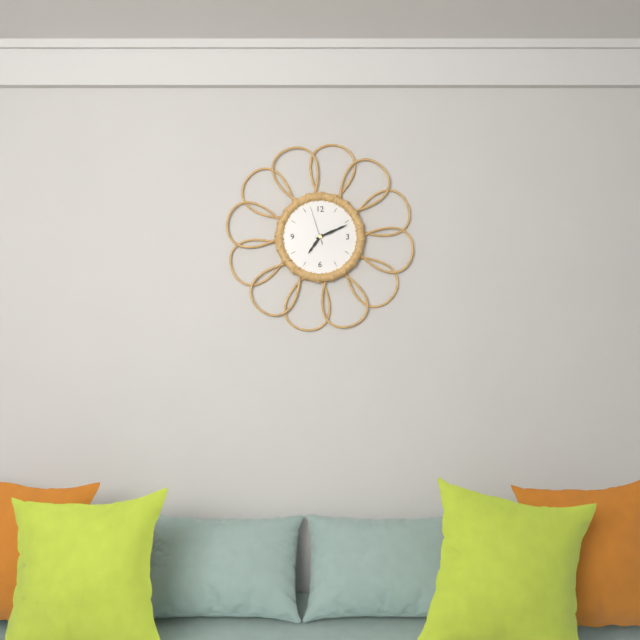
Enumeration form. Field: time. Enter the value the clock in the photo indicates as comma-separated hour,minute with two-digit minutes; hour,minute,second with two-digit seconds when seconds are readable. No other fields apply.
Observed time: 7,11
